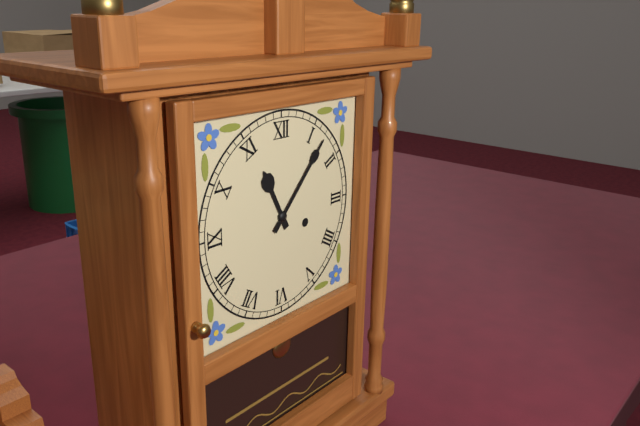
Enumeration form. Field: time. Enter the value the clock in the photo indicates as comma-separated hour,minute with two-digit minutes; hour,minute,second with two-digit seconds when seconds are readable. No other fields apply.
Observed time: 11,07
